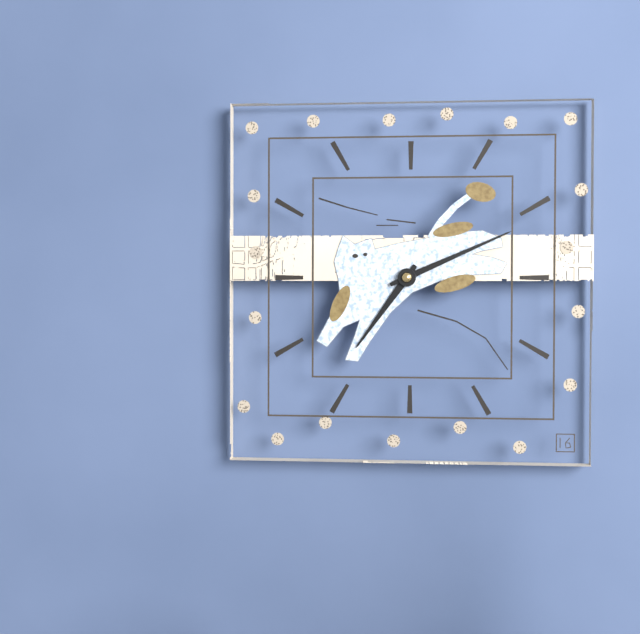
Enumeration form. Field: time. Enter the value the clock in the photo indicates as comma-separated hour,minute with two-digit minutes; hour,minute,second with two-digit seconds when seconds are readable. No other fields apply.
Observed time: 7,11
